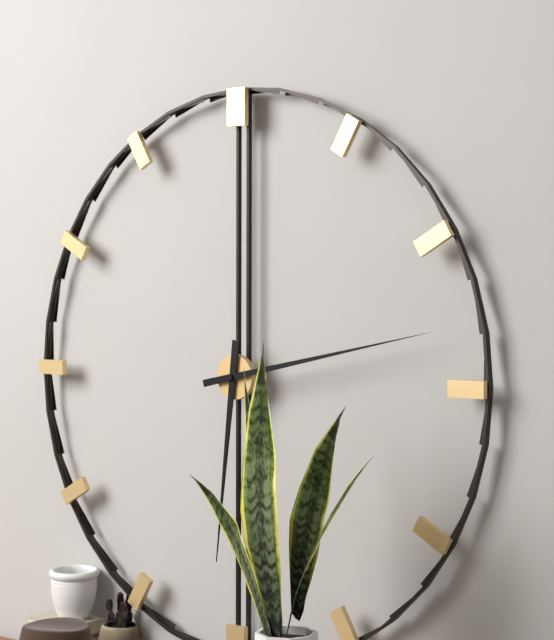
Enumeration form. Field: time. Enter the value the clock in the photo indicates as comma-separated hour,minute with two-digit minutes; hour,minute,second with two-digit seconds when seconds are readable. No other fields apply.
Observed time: 6,13
